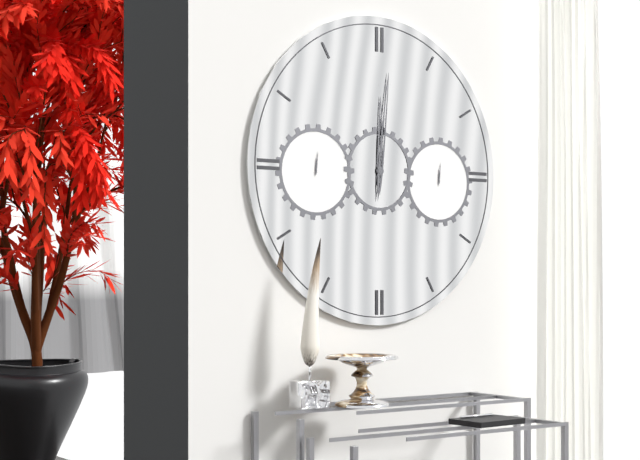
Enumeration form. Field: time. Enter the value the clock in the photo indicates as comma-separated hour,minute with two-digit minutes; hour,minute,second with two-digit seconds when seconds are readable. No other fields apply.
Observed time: 12,01
